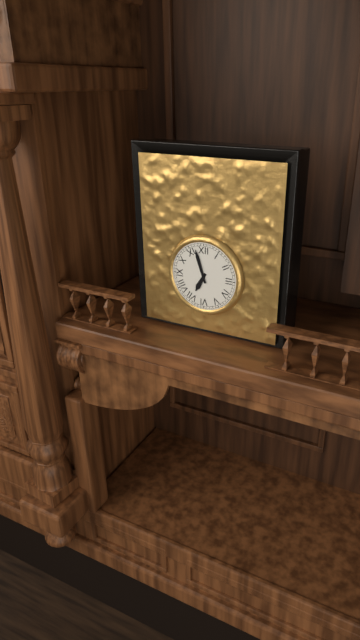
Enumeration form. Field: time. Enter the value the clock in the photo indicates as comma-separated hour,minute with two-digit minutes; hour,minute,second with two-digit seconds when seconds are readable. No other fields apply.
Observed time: 6,57
